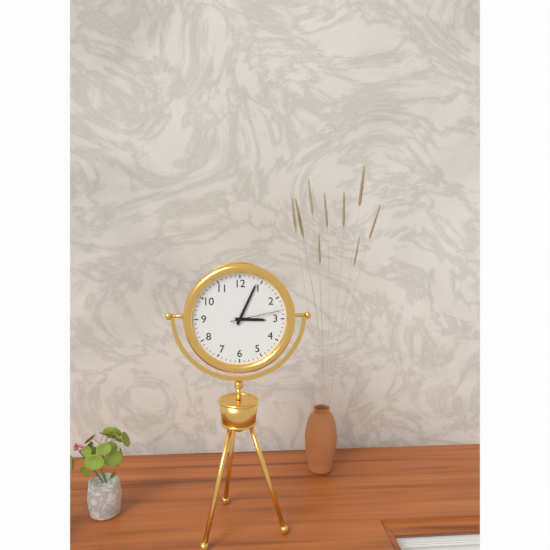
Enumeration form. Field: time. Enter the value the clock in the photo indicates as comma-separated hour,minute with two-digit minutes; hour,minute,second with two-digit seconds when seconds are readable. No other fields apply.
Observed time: 3,04,13
